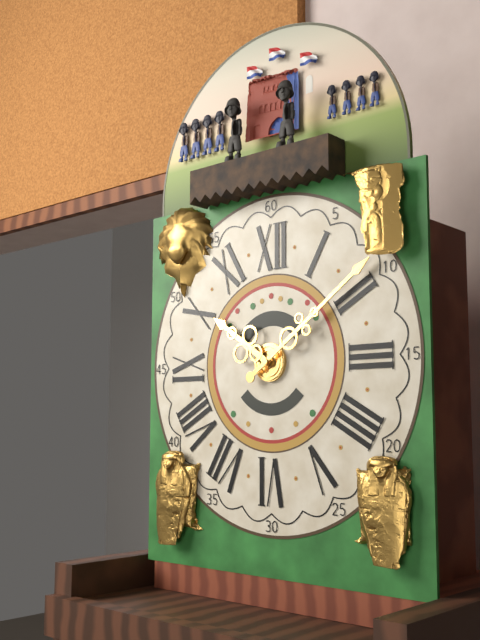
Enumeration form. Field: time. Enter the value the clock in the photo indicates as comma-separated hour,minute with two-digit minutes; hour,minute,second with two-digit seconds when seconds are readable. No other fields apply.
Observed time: 10,09
